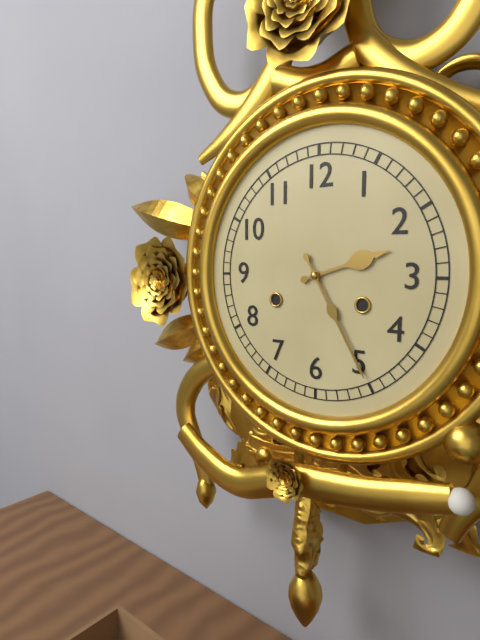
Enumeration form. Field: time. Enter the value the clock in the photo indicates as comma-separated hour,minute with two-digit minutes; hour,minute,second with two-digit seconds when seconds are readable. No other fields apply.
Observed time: 2,25
